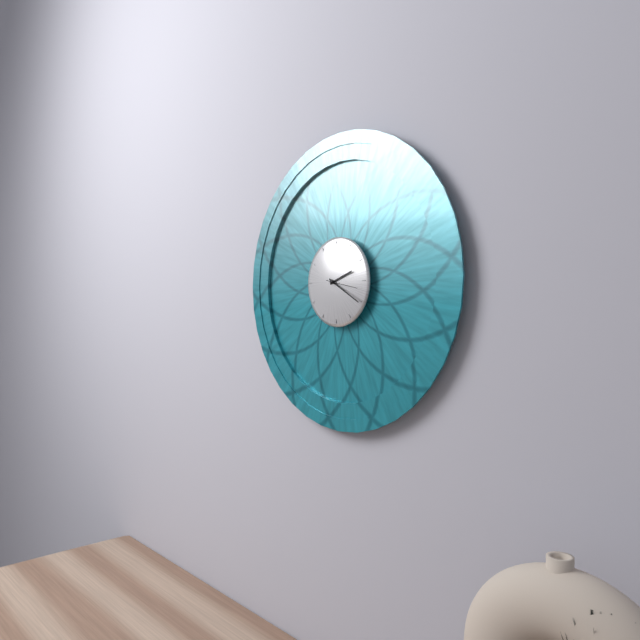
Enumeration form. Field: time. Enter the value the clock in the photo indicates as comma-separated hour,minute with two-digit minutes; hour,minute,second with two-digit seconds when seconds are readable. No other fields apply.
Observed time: 2,20
